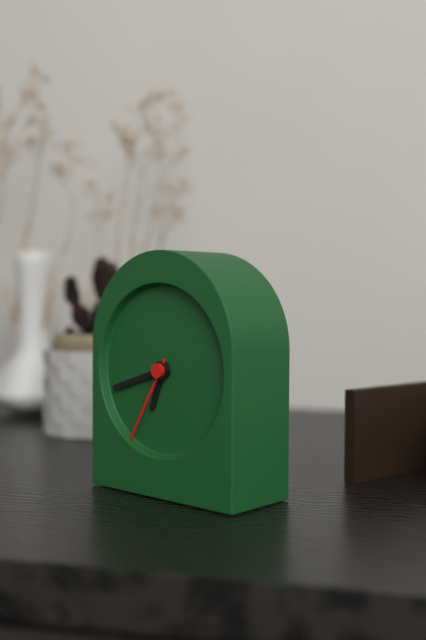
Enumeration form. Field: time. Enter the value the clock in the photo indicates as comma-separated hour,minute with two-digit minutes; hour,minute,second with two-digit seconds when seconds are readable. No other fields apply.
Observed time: 6,42,35
